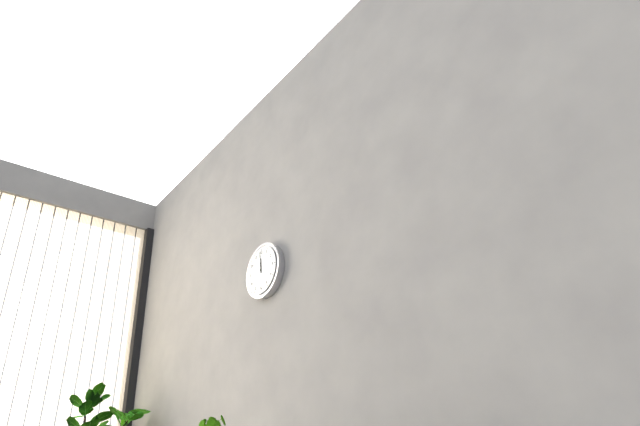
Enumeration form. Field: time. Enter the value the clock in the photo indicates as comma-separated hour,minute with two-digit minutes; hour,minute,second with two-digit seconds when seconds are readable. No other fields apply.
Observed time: 11,59
